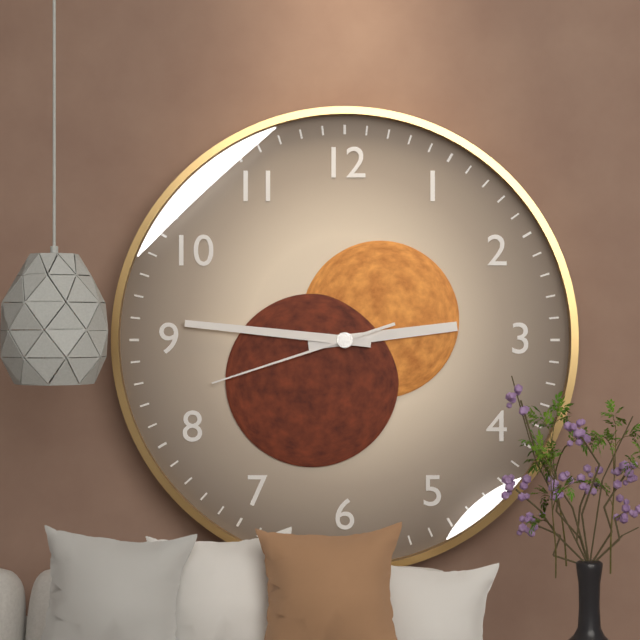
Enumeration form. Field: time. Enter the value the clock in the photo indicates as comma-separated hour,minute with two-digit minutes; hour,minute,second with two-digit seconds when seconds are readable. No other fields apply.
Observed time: 2,46,42
